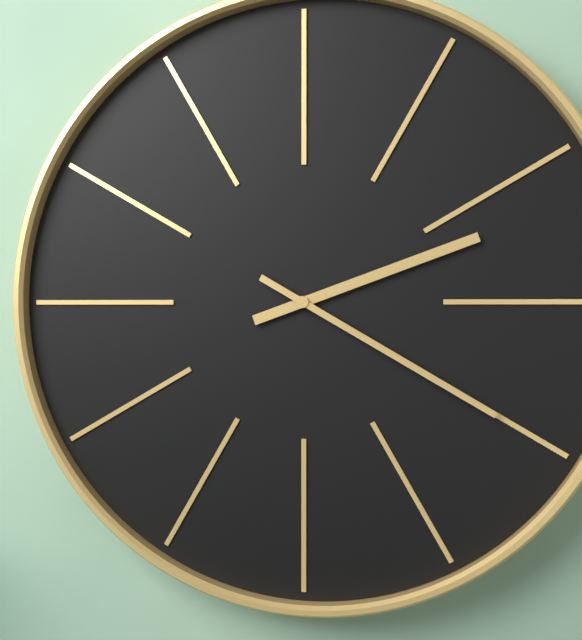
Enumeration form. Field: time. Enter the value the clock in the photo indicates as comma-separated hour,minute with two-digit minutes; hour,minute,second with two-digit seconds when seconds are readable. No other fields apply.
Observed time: 2,20
